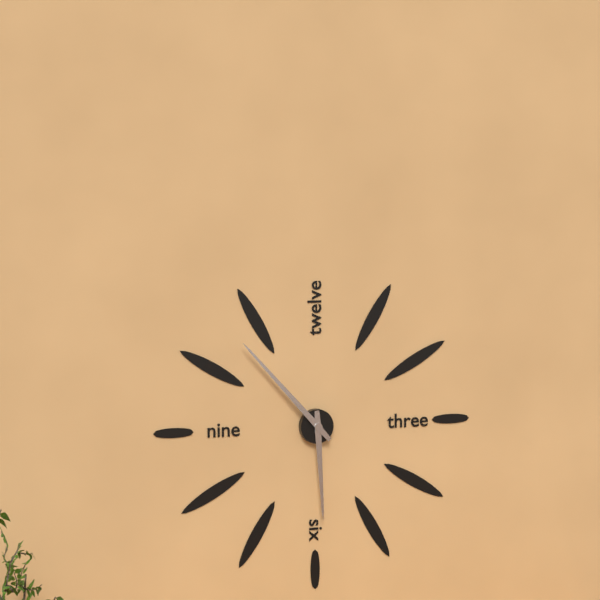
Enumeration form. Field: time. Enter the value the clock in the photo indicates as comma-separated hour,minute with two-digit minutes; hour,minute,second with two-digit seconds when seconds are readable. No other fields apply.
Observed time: 5,53
